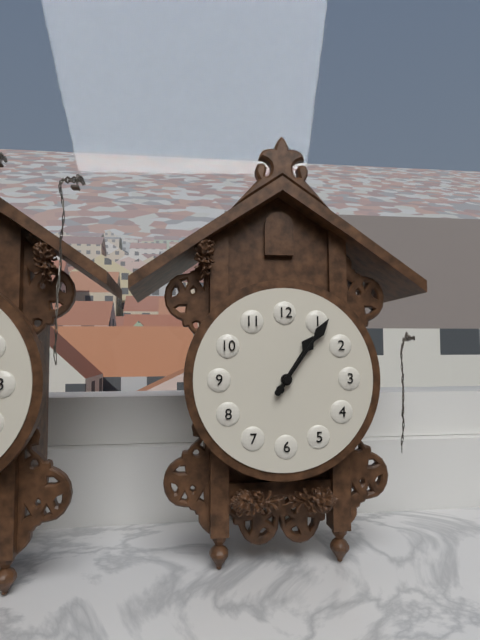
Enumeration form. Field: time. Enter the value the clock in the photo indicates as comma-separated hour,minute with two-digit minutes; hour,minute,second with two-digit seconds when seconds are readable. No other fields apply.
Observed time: 1,06
